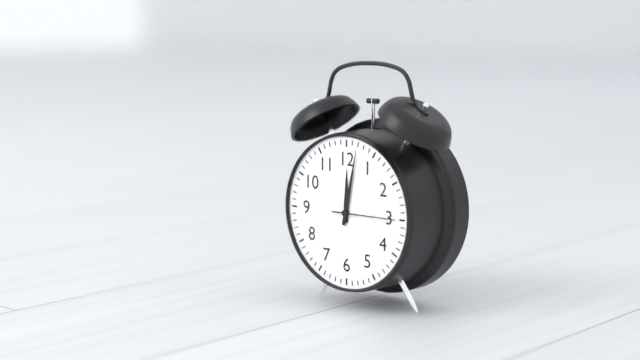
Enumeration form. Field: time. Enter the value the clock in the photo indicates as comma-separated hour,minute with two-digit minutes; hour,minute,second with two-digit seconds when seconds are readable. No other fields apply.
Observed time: 12,02,15
